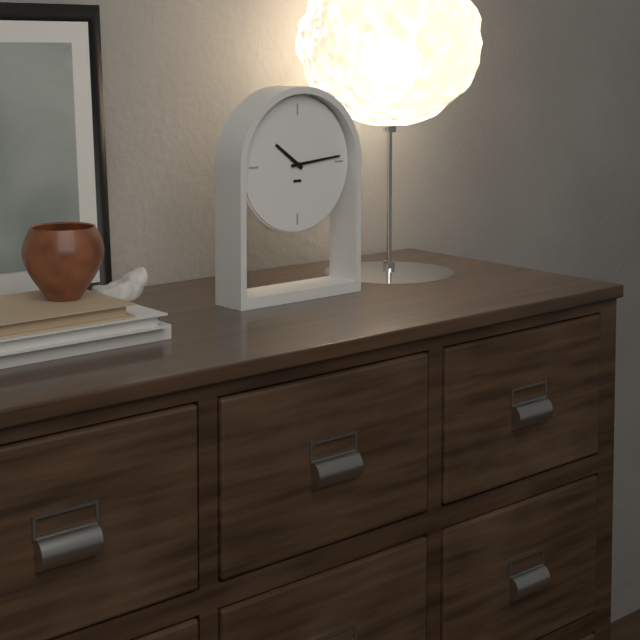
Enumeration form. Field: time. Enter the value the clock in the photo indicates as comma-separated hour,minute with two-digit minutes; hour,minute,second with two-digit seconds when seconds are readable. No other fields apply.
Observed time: 10,14
